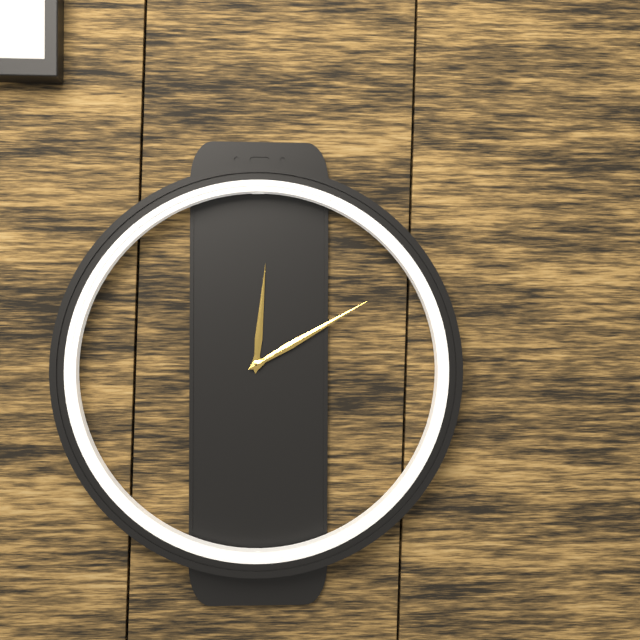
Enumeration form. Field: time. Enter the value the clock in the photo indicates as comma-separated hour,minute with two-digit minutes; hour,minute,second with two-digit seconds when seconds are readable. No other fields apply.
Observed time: 12,10
